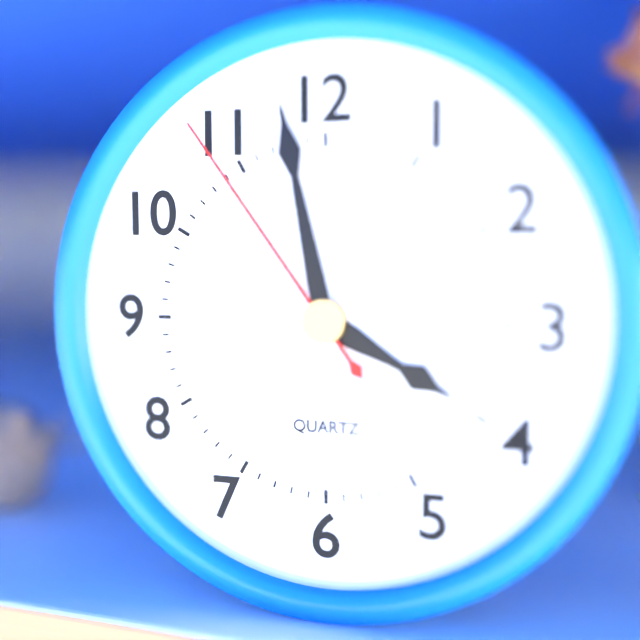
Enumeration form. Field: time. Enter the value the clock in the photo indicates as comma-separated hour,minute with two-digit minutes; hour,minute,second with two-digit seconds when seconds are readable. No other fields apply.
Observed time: 3,58,54
